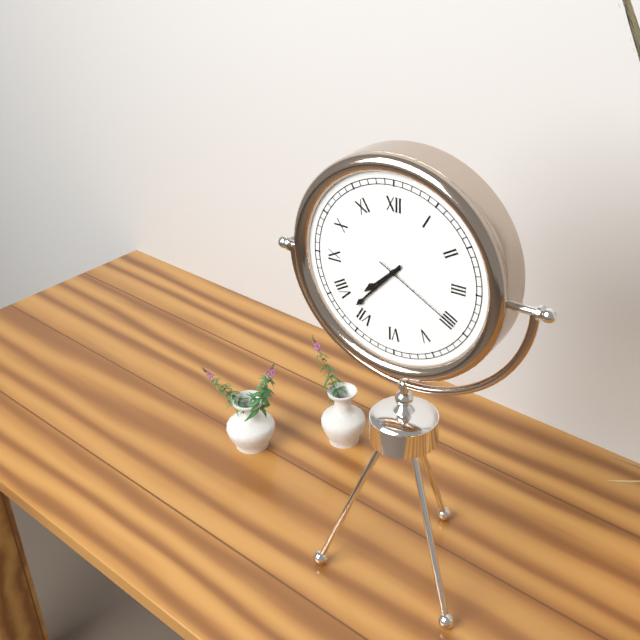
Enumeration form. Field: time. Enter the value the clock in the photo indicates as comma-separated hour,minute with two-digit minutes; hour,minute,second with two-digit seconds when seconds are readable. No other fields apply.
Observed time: 7,37,20
